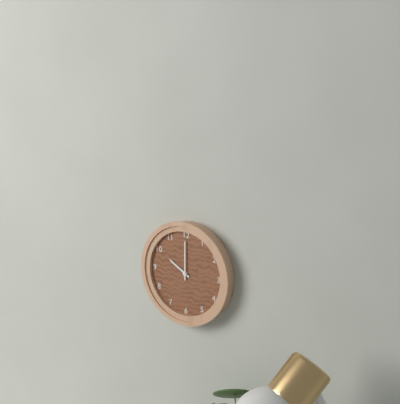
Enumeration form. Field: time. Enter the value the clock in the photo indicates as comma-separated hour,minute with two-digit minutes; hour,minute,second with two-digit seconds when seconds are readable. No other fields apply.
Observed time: 10,00
